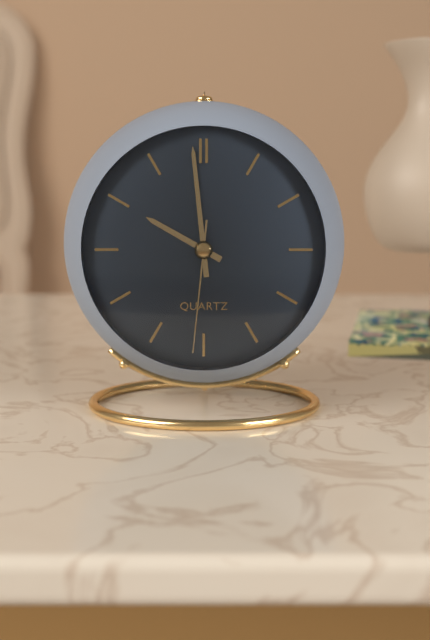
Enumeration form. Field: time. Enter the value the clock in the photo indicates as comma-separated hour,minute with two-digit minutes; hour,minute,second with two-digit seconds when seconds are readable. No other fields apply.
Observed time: 9,59,31
